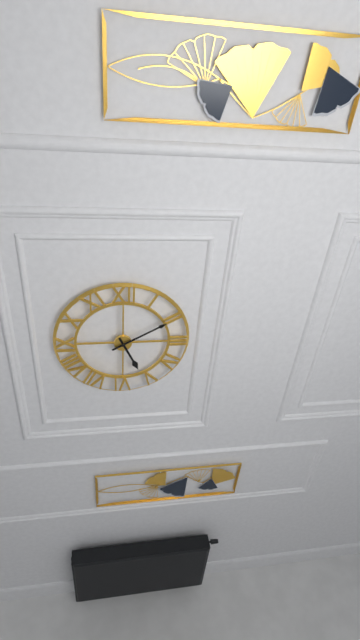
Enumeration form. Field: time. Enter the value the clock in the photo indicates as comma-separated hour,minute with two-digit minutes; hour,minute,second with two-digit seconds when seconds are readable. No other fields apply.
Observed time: 5,10
